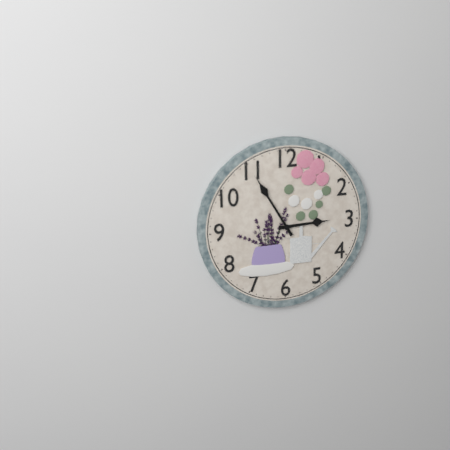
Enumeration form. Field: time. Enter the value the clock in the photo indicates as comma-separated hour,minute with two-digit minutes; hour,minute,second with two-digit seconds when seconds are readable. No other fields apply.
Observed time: 2,55
